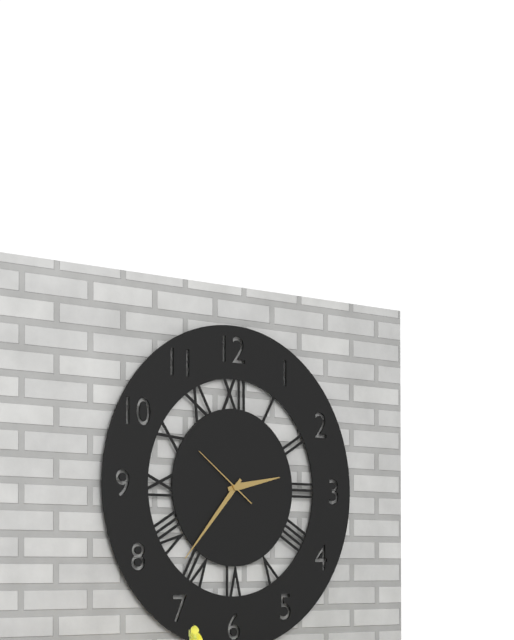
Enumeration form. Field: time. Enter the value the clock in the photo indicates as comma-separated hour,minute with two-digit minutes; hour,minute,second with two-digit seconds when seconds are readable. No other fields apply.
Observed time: 2,37,51
